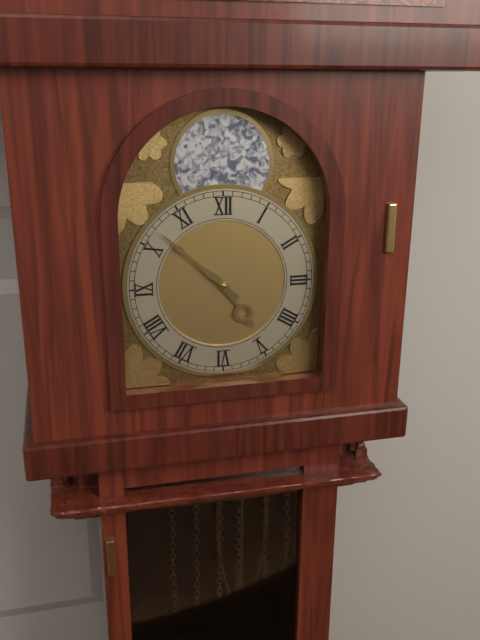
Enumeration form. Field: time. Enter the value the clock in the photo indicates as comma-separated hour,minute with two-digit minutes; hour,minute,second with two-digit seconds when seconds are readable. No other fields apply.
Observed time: 4,52
